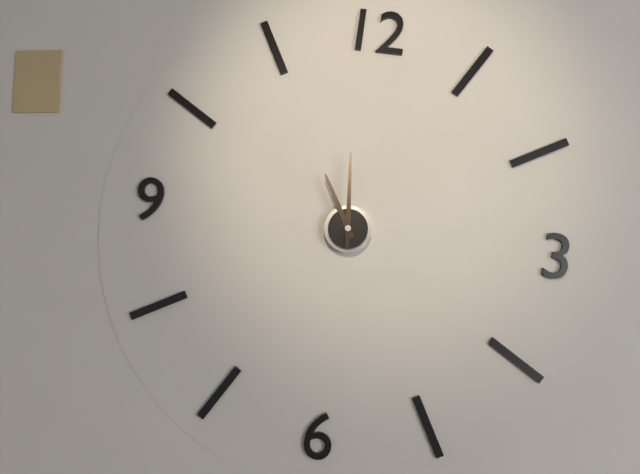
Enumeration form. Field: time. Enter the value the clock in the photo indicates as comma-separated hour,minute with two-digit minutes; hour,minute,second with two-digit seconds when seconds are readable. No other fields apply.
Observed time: 10,59
